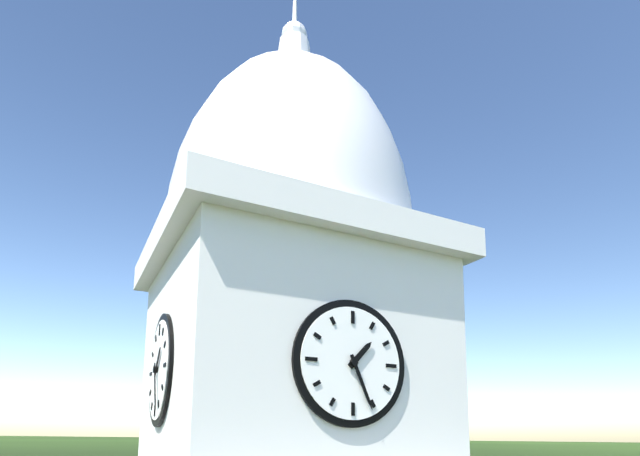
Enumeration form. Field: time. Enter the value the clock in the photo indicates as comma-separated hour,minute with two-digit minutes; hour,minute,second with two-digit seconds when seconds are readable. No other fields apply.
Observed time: 1,26
